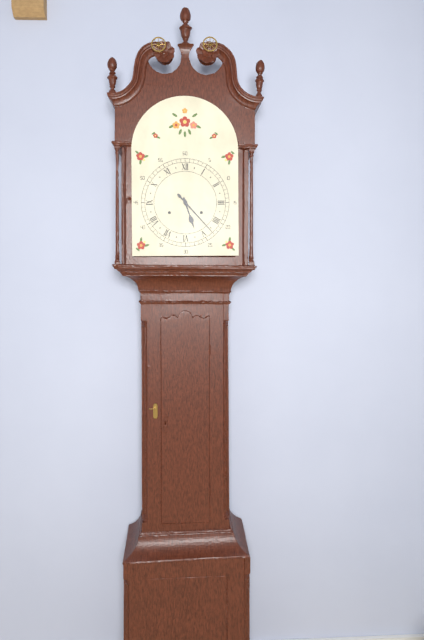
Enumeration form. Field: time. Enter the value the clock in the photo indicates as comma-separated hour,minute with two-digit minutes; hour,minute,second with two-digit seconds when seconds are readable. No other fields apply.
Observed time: 5,23
